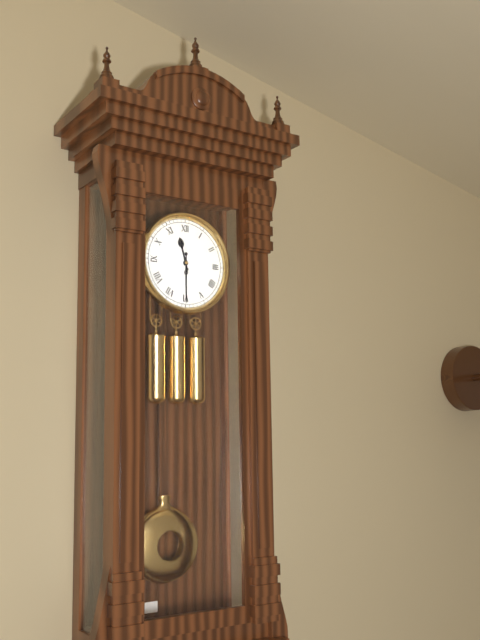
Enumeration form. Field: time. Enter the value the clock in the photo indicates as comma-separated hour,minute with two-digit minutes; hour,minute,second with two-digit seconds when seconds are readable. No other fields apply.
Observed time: 11,30
